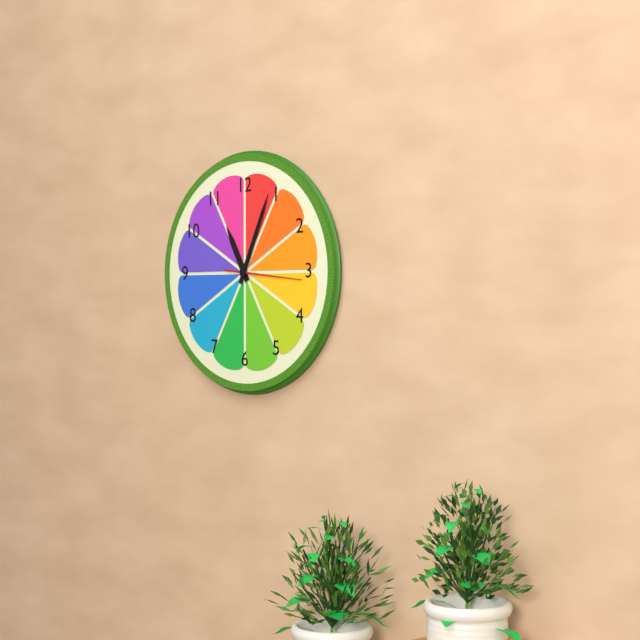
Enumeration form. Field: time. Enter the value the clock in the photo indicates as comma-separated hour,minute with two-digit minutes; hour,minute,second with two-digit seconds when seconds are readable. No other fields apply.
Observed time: 11,04,16
